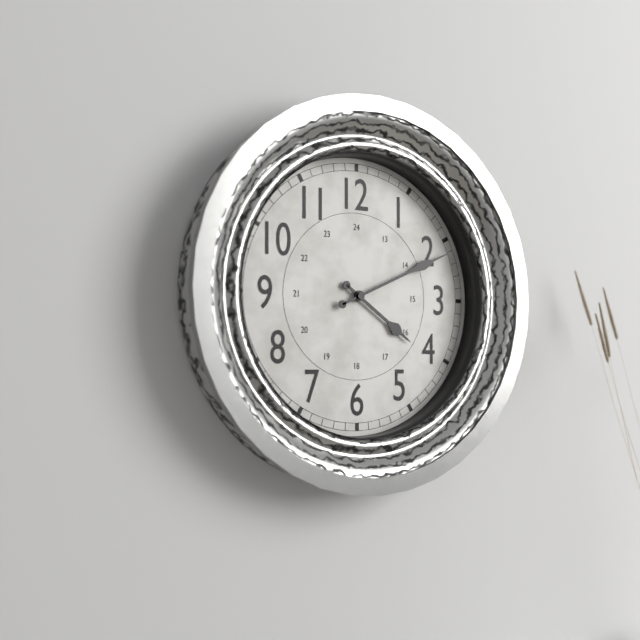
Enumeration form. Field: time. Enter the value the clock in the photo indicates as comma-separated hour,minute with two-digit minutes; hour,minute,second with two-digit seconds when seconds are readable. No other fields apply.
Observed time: 4,11
